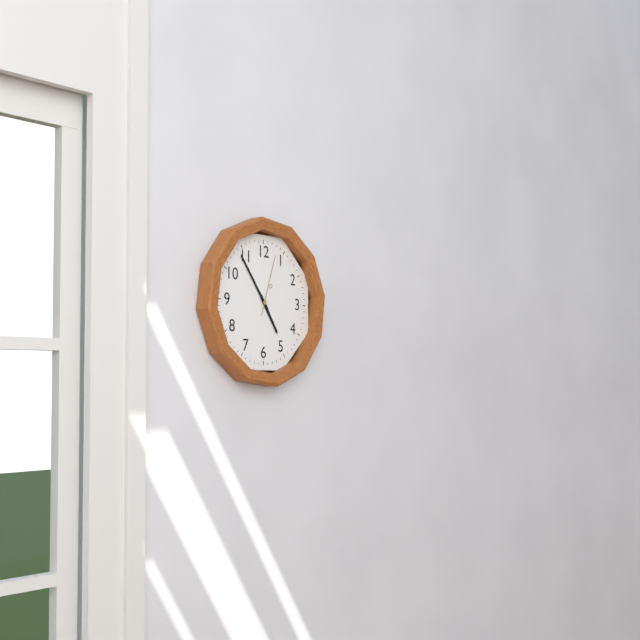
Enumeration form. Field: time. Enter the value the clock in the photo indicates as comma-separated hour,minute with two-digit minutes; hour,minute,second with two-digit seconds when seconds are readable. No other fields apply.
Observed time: 4,54,03
